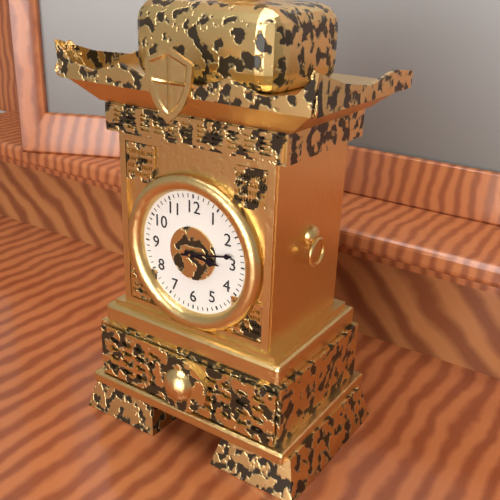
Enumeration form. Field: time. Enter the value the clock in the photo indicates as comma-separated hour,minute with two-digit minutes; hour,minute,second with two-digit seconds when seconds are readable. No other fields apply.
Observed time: 3,13
